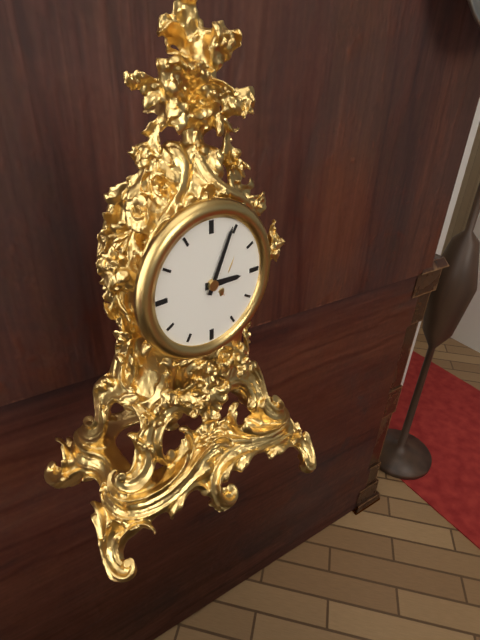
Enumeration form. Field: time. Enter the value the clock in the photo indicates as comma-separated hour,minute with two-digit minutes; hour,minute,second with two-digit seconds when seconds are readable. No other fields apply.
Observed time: 3,04
